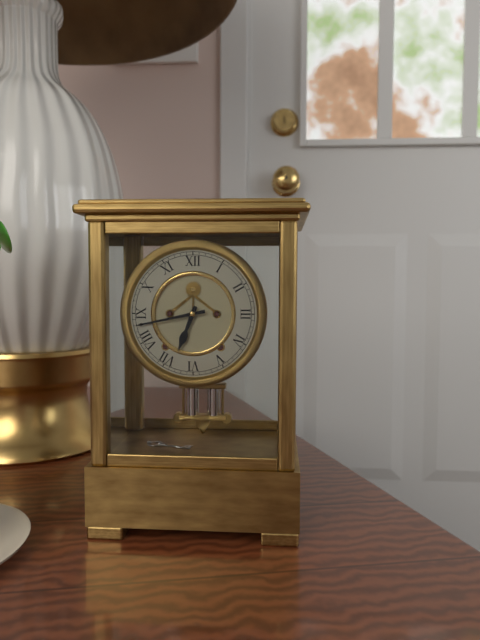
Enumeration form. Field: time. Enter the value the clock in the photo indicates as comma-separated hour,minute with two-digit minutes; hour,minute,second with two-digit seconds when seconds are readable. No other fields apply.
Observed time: 6,43
